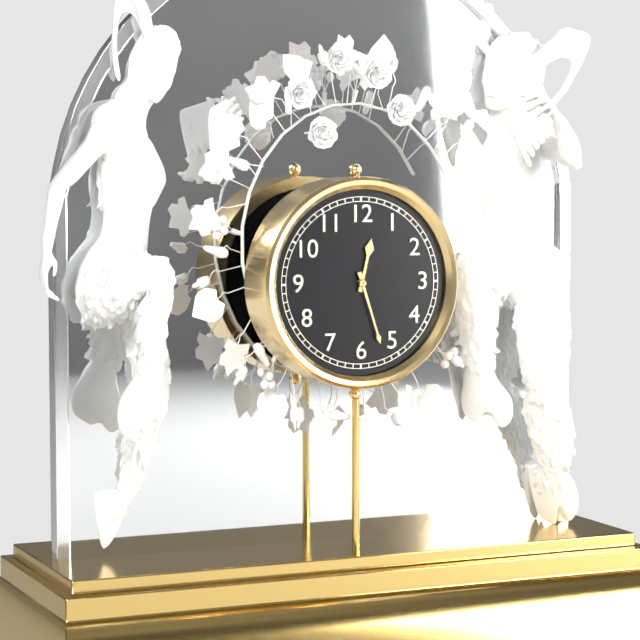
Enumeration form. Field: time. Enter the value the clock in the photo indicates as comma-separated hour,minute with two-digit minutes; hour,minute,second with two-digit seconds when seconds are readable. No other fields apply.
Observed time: 12,27
